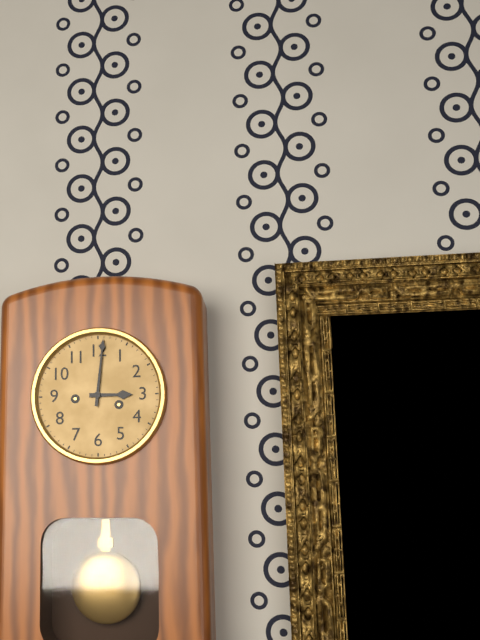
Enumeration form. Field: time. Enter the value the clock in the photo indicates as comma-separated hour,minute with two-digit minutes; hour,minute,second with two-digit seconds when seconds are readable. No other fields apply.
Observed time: 3,01
